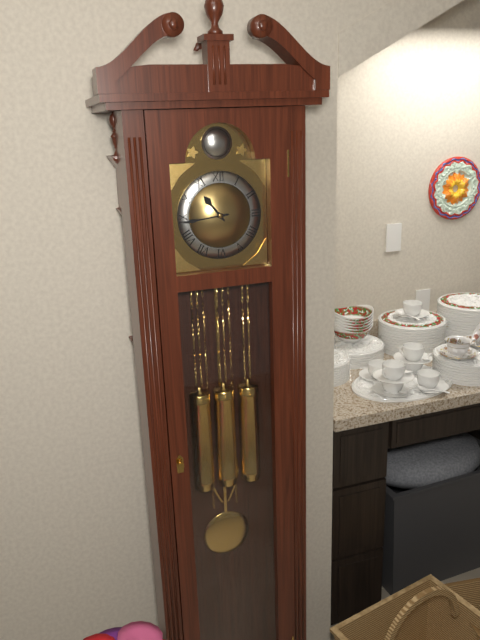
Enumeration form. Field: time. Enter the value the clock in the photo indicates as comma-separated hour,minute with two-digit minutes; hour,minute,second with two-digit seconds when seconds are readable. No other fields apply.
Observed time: 10,44
